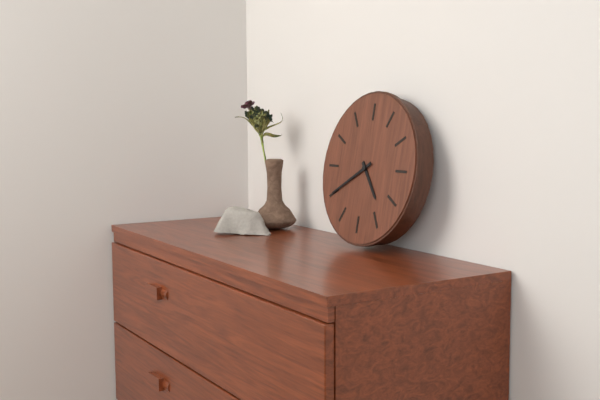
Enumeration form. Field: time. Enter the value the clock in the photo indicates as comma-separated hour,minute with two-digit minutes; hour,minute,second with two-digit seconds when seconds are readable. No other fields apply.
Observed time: 4,40
